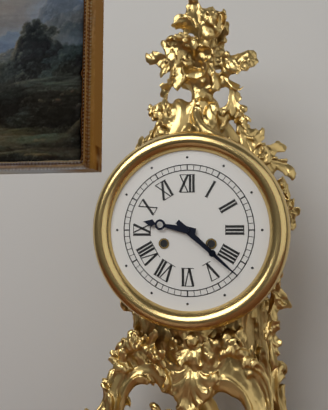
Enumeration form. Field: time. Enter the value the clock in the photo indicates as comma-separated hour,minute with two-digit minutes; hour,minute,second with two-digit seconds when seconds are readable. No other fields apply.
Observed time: 9,22
